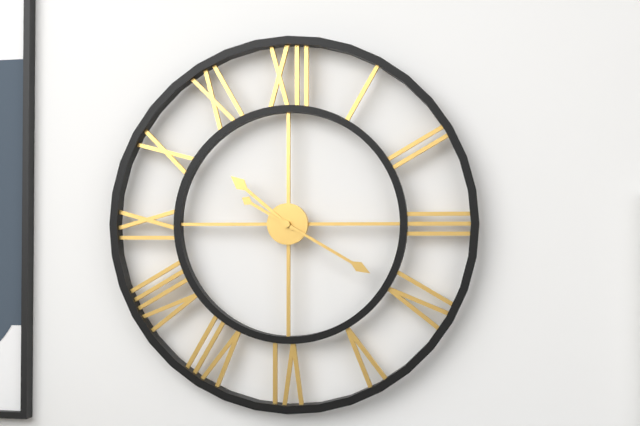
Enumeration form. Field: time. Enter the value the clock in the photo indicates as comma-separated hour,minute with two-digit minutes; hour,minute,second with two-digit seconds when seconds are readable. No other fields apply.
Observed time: 10,20
